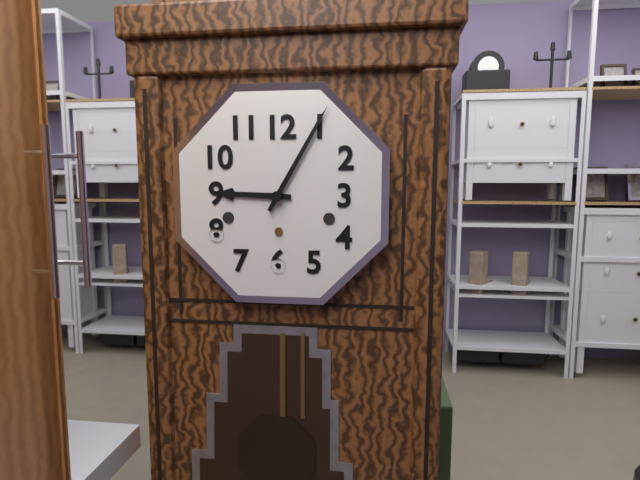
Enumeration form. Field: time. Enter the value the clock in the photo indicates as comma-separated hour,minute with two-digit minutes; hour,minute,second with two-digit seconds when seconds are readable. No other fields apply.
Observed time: 9,05
